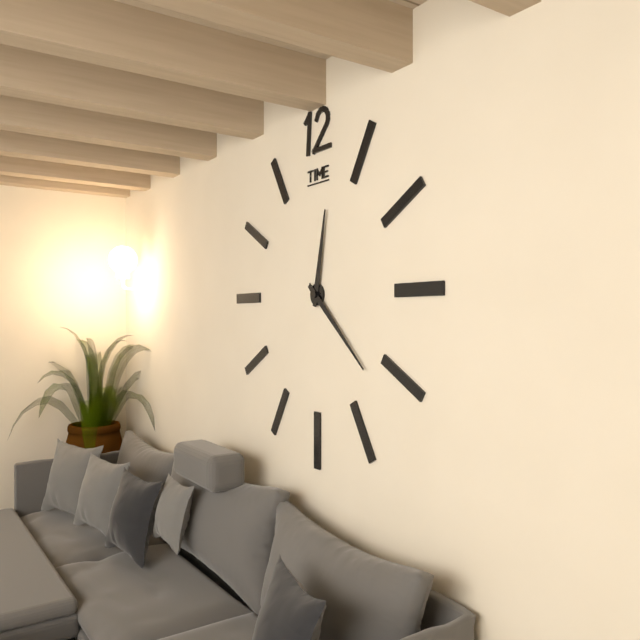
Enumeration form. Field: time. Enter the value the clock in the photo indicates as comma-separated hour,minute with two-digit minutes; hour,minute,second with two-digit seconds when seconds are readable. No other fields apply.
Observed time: 12,22
